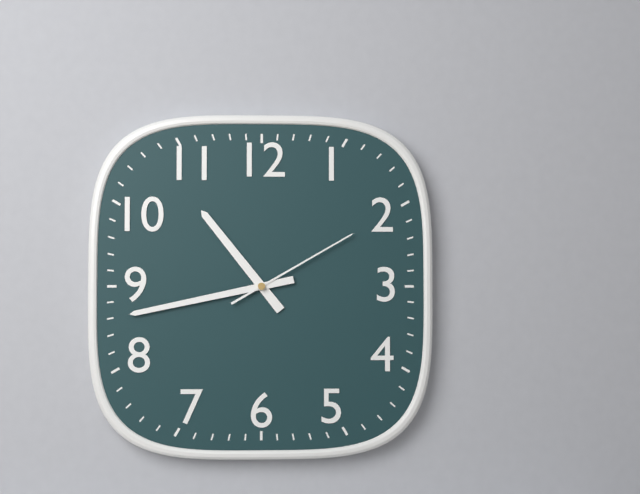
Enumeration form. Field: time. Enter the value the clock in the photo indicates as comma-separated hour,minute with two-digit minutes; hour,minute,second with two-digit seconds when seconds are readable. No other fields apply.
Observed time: 10,43,10
